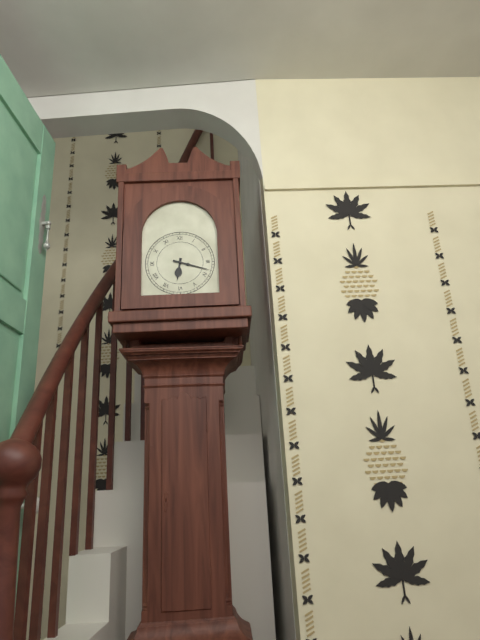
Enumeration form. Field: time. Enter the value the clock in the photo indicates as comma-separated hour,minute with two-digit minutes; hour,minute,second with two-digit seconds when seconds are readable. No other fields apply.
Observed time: 6,18
